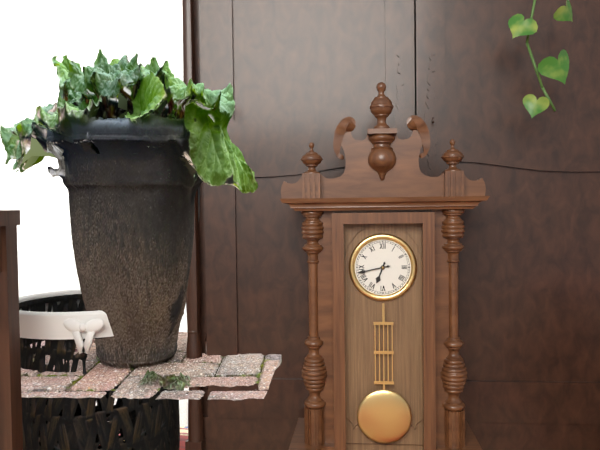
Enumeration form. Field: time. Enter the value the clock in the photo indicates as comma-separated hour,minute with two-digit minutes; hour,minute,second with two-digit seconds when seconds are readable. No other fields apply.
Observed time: 6,43
